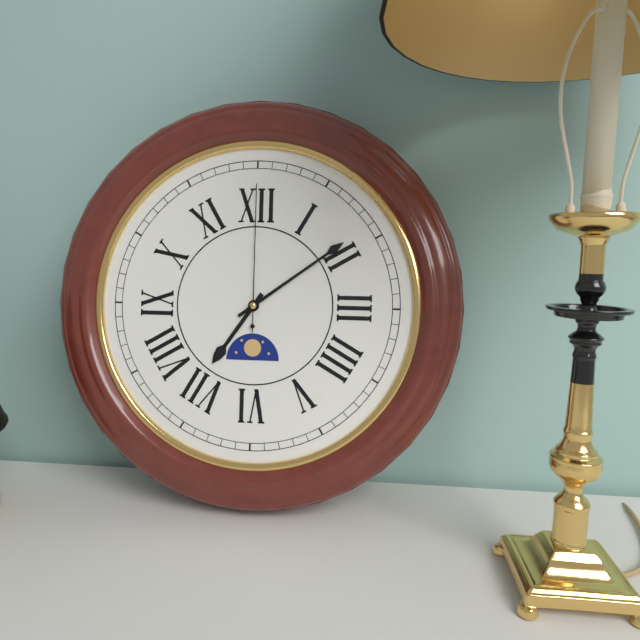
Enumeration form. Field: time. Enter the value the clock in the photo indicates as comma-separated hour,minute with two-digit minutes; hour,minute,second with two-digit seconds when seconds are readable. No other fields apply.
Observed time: 7,09,00
